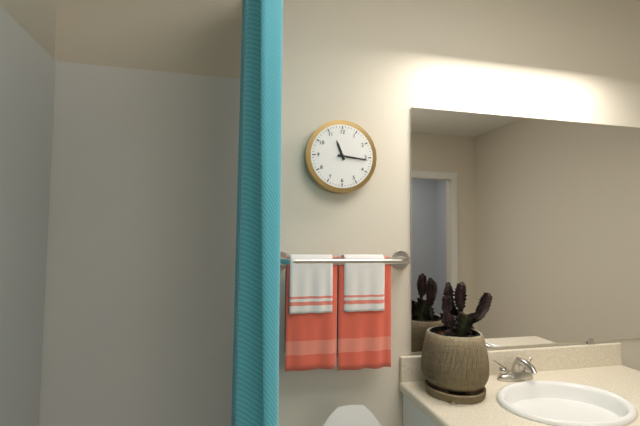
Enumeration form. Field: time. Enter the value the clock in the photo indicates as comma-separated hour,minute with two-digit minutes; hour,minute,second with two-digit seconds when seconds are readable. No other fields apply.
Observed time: 11,16
